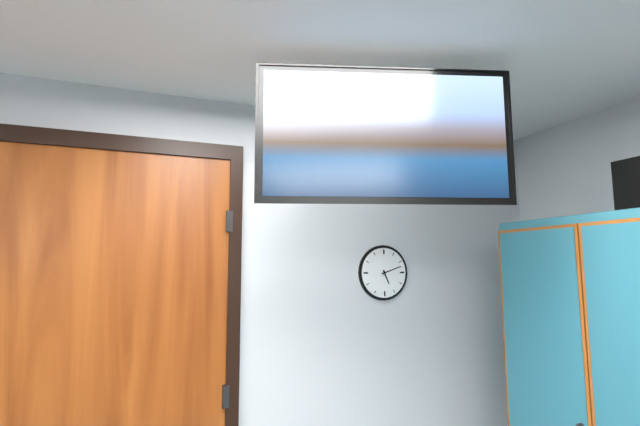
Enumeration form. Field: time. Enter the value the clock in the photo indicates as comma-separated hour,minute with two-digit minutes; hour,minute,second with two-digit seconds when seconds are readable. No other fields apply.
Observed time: 5,12
